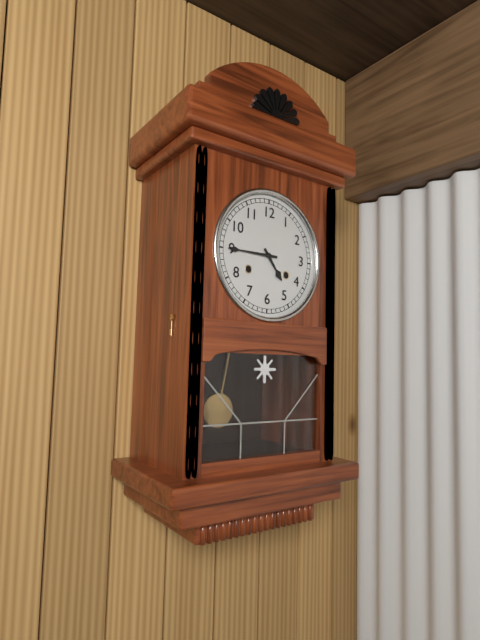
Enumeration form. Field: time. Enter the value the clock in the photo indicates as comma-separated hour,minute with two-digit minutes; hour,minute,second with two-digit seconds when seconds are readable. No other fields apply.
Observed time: 4,45
